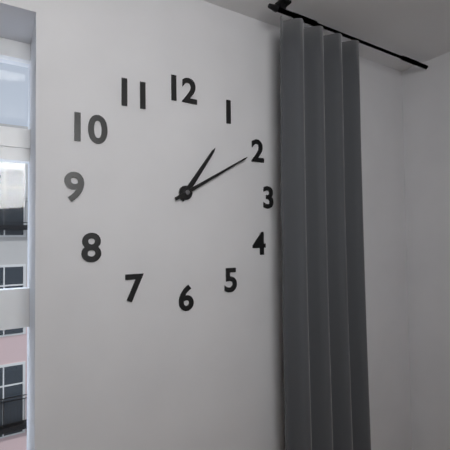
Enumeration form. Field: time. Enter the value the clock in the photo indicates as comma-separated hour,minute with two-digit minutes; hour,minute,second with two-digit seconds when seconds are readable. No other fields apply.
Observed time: 1,10
